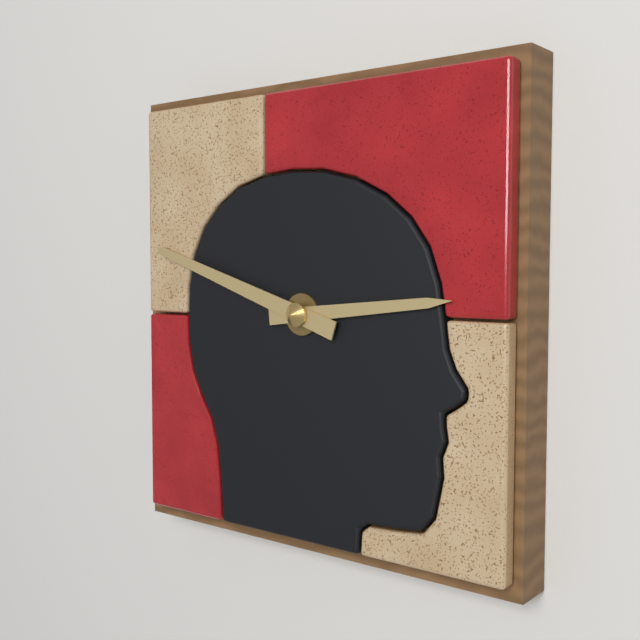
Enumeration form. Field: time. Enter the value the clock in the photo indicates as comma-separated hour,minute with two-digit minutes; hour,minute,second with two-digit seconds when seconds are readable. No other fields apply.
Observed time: 2,48
